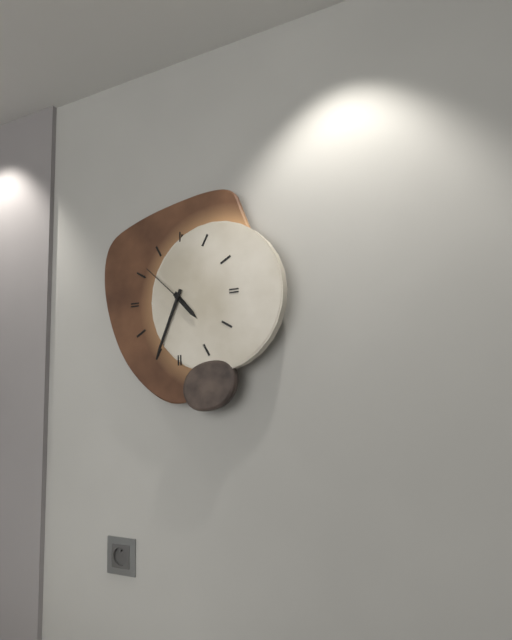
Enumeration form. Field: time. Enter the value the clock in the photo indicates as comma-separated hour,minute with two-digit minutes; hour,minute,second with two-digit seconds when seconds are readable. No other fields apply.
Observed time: 4,34,52
